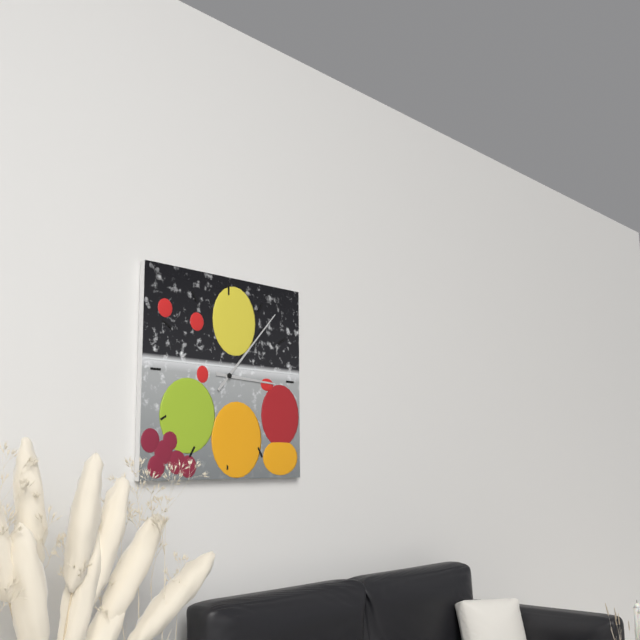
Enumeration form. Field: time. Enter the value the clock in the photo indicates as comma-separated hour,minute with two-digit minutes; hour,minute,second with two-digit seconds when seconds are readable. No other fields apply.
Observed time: 3,07
